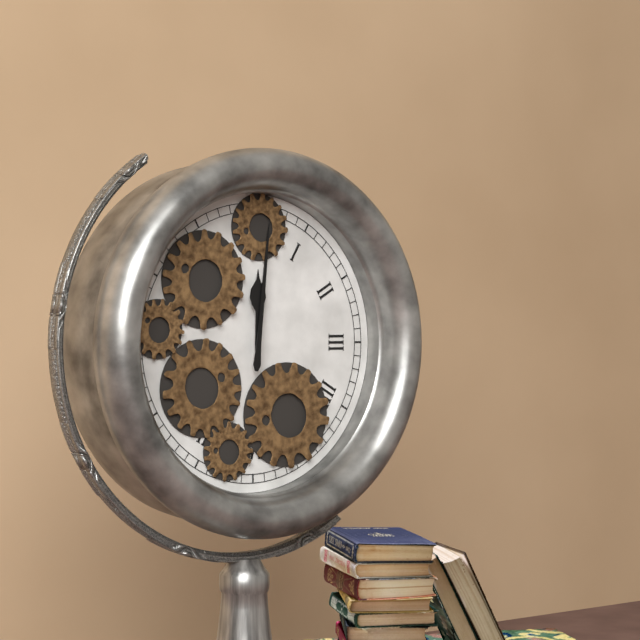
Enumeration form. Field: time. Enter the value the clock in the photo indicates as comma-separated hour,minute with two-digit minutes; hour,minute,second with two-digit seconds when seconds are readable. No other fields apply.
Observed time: 12,01
